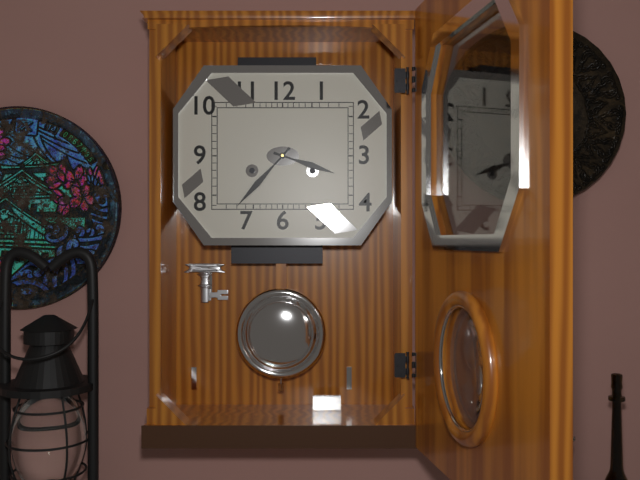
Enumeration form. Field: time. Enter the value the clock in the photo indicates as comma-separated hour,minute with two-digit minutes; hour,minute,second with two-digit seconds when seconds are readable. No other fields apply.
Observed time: 3,37
